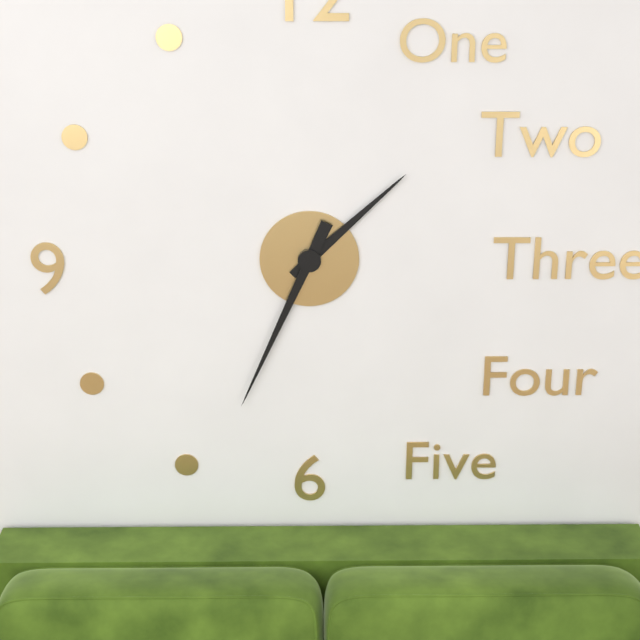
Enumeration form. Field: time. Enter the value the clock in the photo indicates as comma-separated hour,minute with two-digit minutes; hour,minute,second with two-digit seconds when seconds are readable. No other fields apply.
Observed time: 1,34
